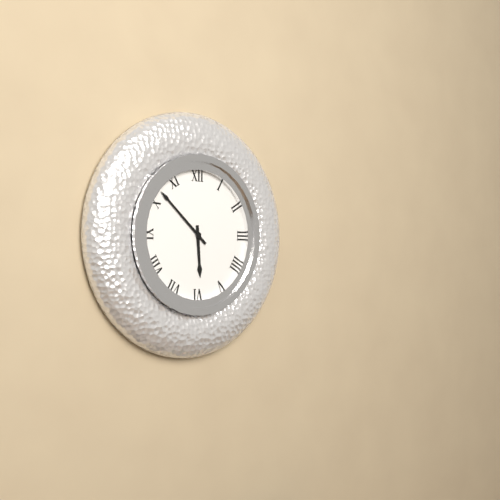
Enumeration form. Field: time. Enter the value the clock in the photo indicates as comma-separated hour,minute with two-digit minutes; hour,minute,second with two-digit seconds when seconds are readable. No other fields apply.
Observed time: 5,52
